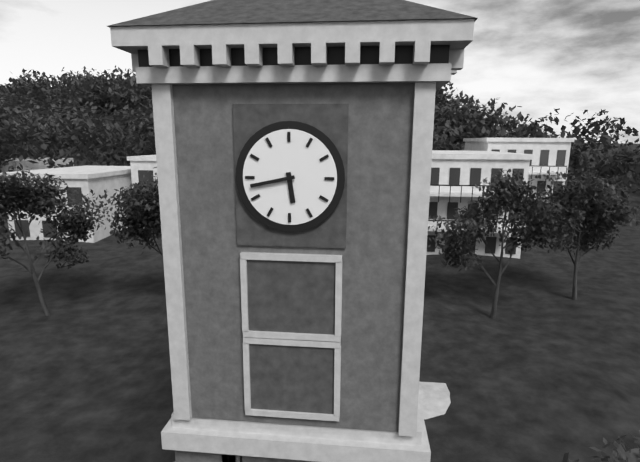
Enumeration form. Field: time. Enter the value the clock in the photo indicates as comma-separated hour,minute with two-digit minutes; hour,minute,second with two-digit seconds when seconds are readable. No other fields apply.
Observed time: 5,43
